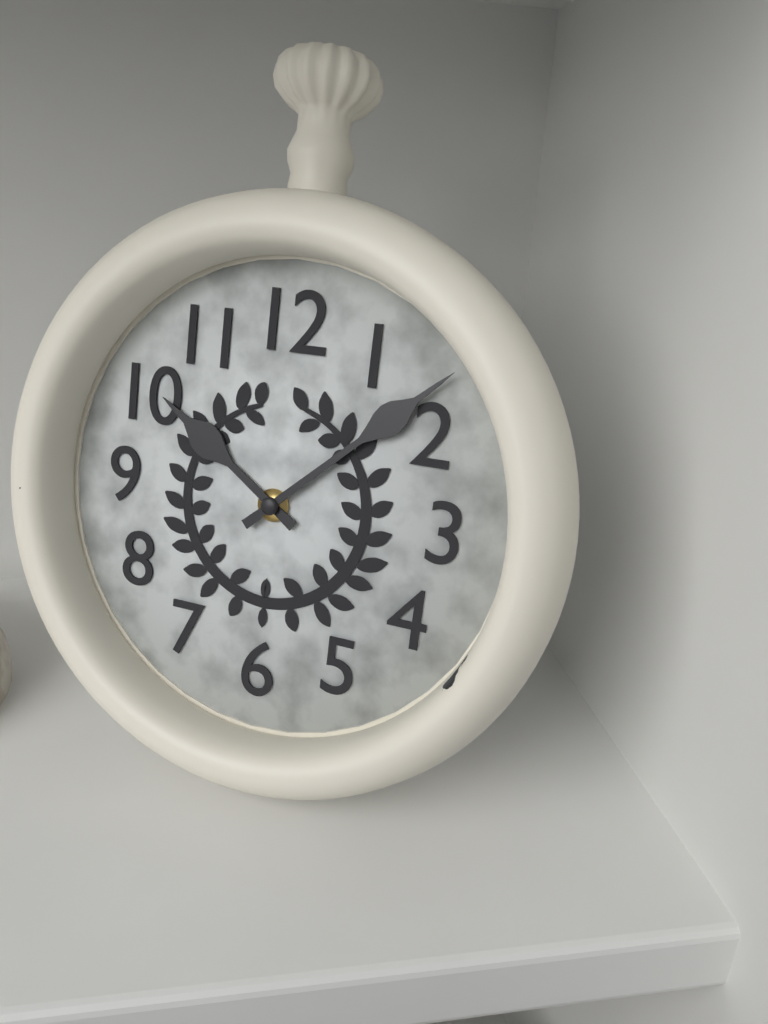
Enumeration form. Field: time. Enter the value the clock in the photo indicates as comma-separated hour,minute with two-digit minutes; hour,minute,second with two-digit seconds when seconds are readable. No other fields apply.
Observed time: 10,08
